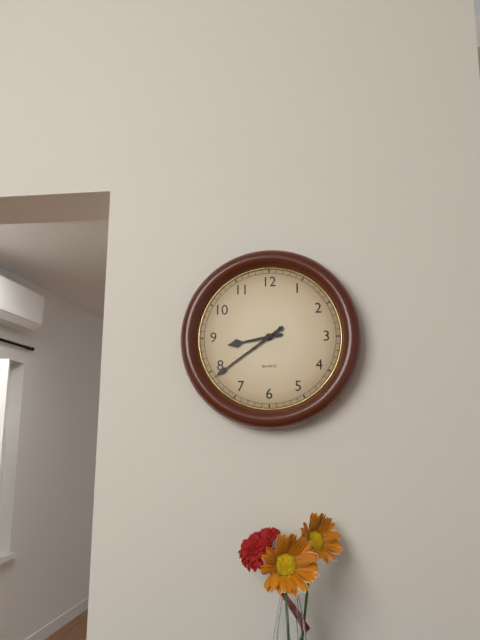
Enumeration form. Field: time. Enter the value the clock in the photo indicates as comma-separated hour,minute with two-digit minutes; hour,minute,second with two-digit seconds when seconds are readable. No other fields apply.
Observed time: 8,39
